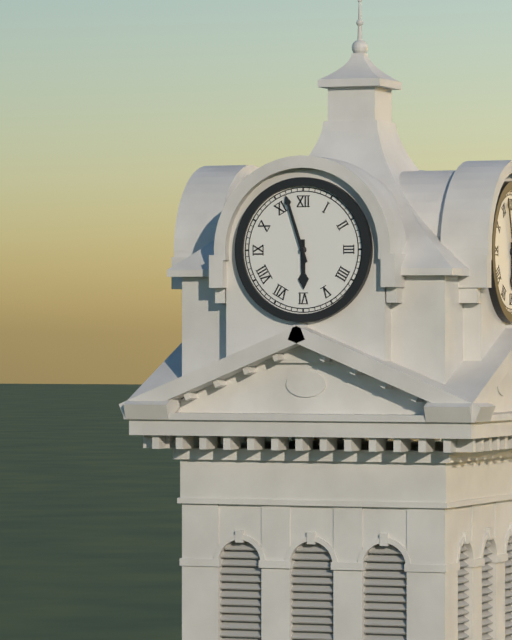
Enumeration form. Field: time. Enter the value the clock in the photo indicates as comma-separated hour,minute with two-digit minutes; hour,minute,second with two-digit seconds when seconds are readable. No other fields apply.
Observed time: 5,57
